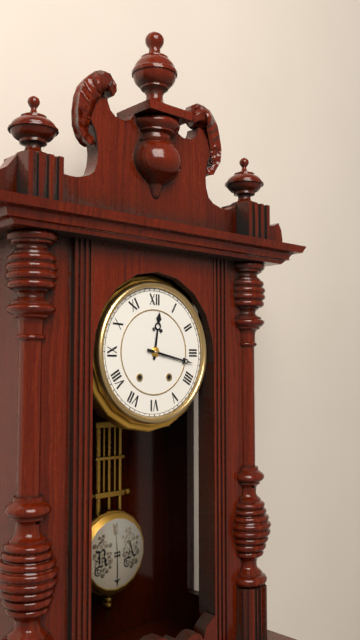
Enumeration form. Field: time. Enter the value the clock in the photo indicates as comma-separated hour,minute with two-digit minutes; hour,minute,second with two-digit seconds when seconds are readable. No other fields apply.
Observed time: 12,17
